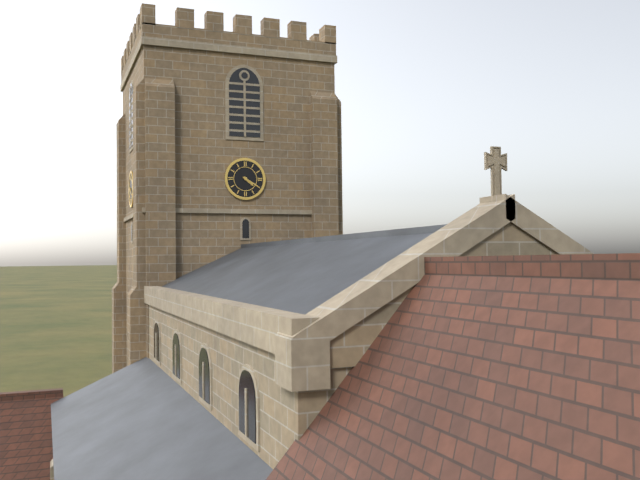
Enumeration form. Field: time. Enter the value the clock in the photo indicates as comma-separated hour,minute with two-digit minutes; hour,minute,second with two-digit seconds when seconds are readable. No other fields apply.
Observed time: 4,20
